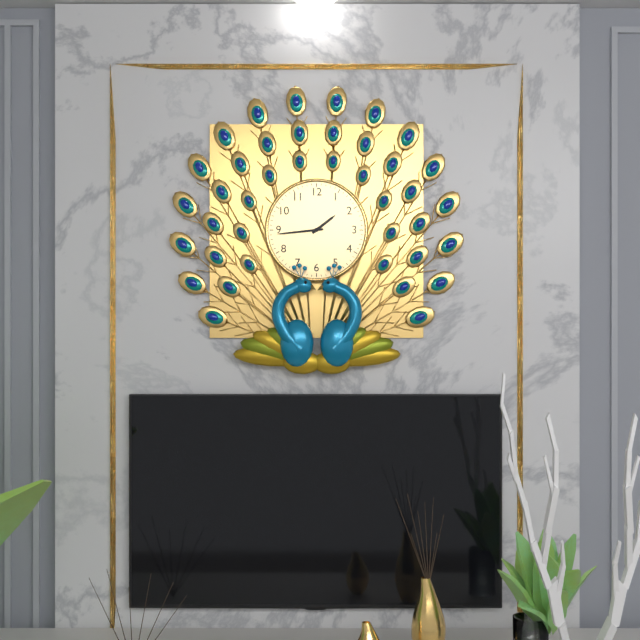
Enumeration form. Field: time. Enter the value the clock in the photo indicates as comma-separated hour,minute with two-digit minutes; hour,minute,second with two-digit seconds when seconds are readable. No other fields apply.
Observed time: 1,44
